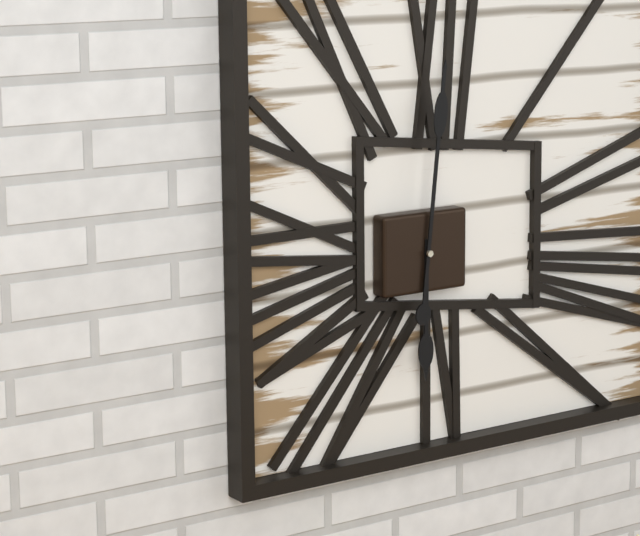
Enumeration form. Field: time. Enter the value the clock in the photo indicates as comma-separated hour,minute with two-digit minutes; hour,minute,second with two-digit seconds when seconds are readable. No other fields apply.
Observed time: 6,01
